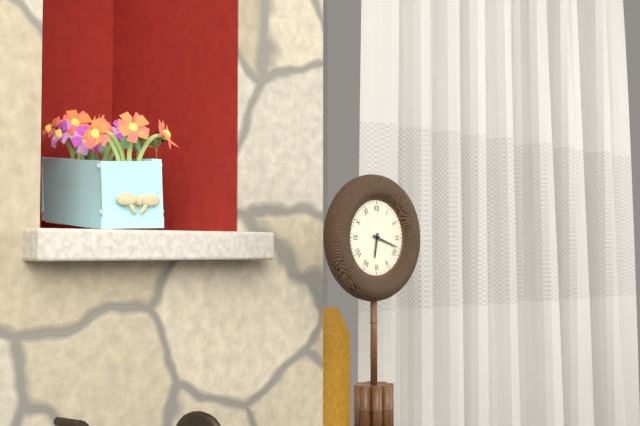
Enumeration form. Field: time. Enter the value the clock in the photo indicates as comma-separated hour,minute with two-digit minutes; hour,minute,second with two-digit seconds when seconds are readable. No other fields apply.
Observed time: 6,18
